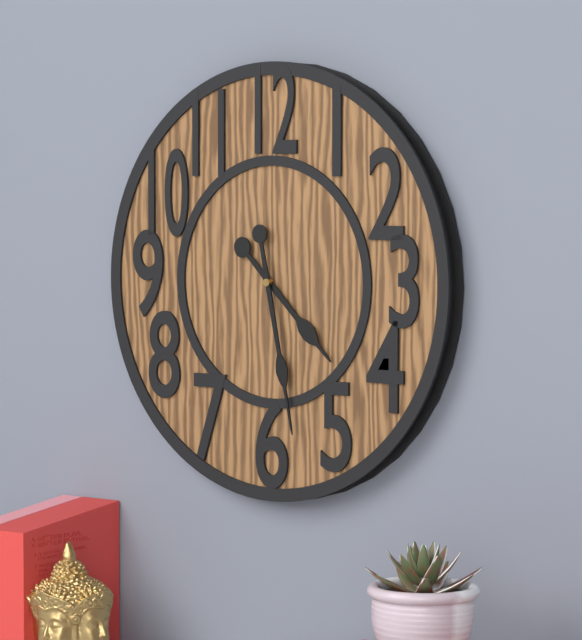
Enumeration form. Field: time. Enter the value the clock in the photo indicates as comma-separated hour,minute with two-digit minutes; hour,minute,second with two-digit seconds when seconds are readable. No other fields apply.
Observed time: 4,28
